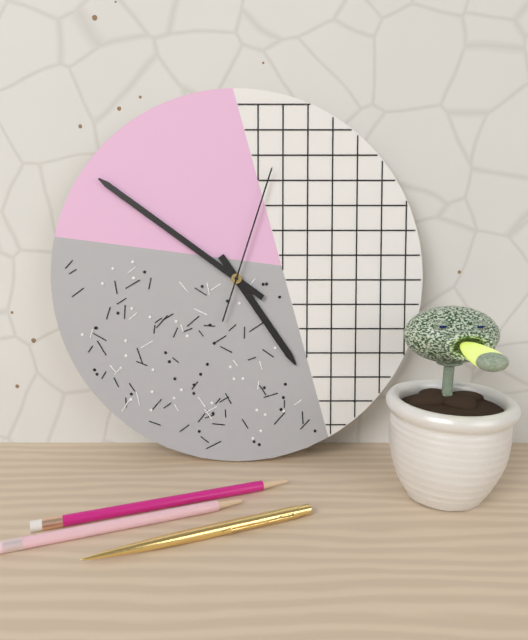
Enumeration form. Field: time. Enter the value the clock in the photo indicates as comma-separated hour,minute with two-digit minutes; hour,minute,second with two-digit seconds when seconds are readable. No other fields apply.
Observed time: 4,51,03
